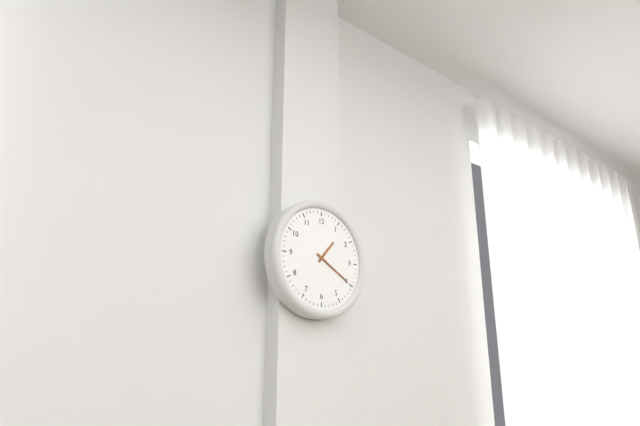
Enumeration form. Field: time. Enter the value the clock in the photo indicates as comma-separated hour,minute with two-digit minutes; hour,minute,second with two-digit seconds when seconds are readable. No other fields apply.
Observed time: 1,20
